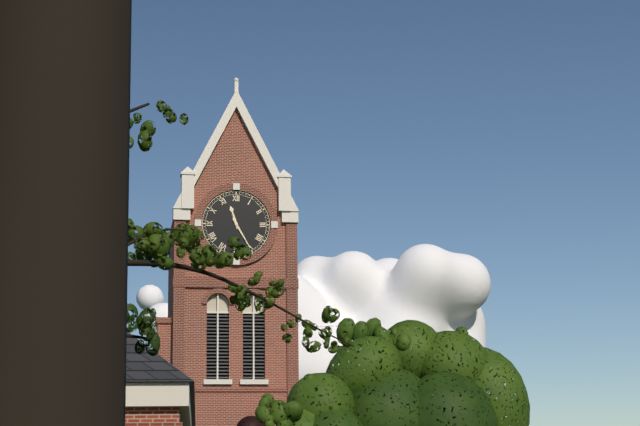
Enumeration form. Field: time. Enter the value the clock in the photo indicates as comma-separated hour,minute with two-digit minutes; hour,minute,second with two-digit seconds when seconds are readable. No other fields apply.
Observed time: 11,25
